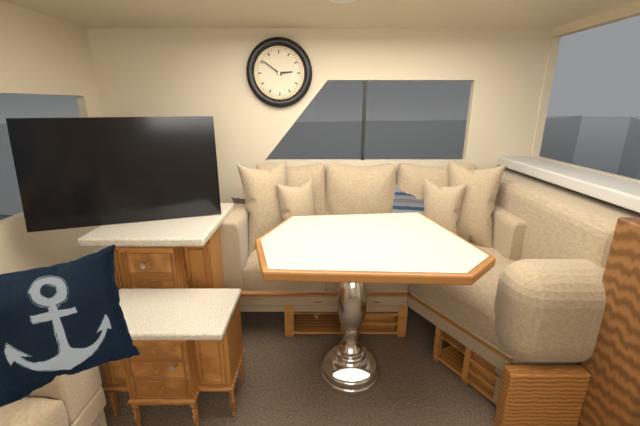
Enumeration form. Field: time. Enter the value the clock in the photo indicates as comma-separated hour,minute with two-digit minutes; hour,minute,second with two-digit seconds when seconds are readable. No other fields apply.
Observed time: 2,51
